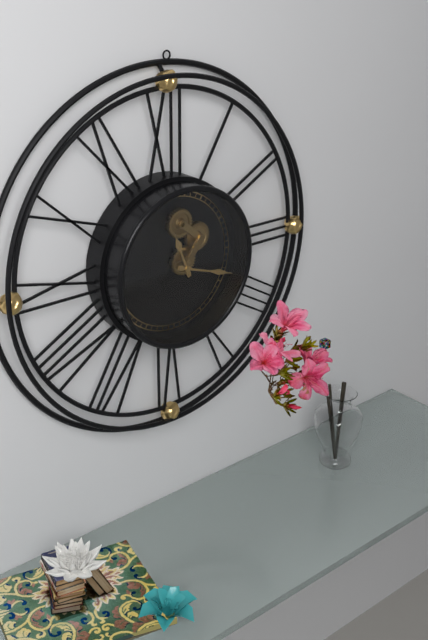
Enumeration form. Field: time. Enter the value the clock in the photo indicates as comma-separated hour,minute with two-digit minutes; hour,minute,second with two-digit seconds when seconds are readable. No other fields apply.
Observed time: 11,18
